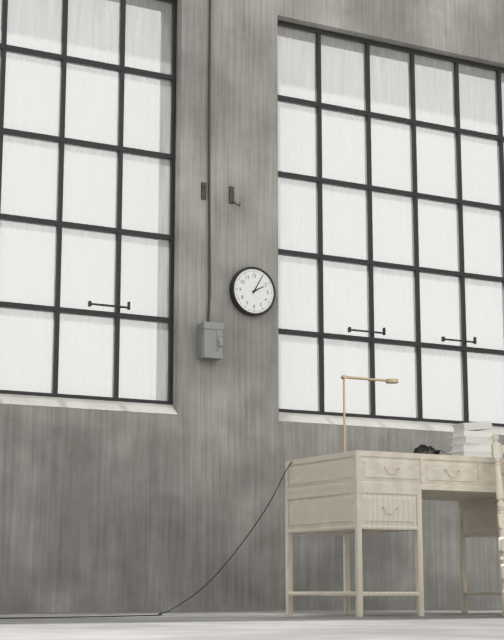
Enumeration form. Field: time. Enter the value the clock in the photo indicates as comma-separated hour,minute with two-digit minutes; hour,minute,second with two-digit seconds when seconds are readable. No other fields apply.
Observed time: 2,05
